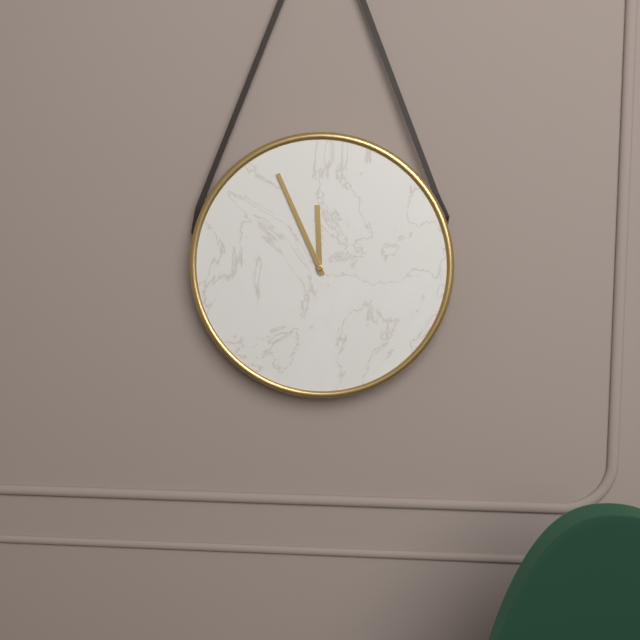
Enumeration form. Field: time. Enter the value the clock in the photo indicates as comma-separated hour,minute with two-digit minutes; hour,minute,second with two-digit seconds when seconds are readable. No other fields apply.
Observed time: 11,56
